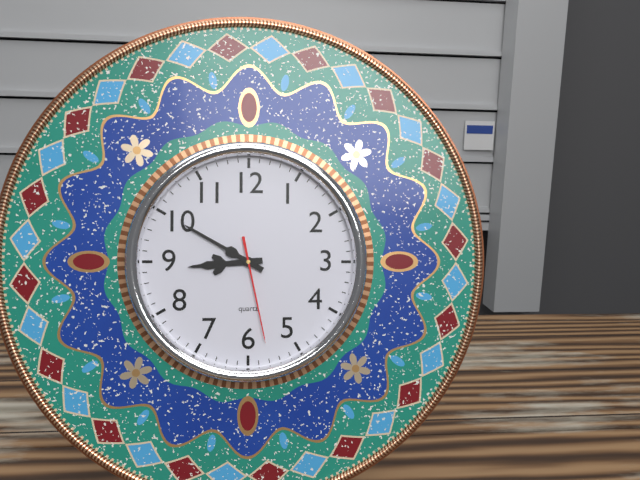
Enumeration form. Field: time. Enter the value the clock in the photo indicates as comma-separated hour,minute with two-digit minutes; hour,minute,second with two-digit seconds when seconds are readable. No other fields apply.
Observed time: 8,50,28
